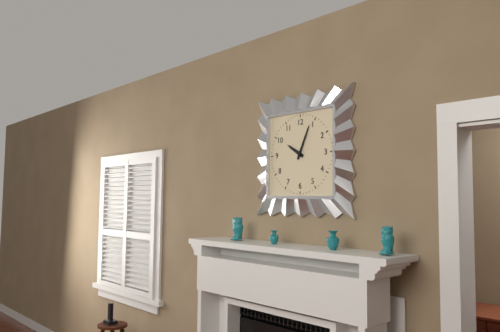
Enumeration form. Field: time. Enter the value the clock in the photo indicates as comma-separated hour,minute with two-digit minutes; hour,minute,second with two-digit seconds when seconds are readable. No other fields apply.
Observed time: 10,04
